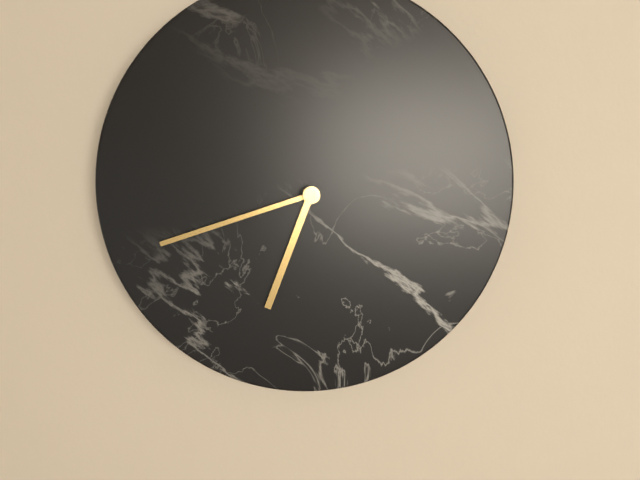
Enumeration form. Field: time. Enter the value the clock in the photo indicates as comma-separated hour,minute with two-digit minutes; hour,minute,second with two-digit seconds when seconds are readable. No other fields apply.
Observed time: 6,42
